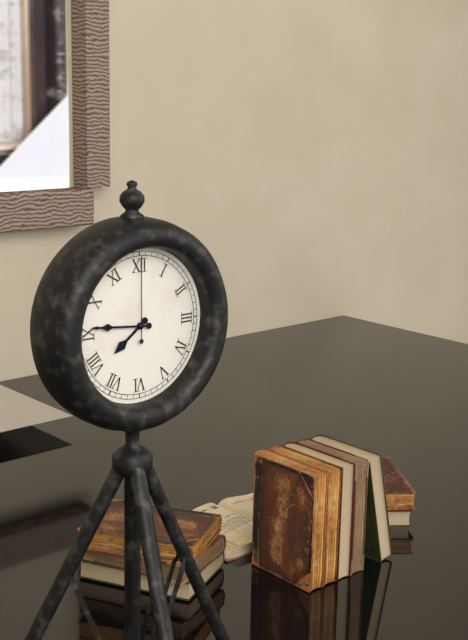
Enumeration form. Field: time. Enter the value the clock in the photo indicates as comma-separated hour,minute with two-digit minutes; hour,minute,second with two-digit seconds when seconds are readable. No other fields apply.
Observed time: 7,46,00
